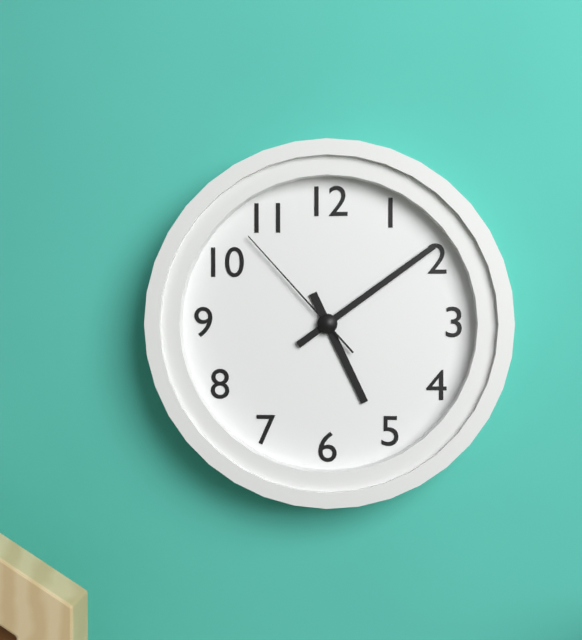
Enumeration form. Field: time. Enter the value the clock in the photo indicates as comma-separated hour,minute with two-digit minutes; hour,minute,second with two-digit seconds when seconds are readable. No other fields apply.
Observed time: 5,09,53
